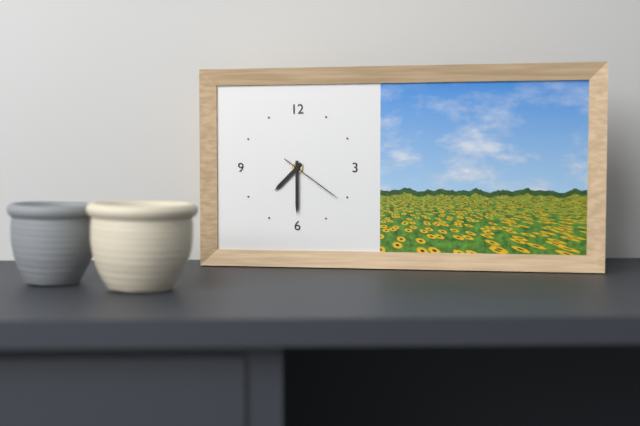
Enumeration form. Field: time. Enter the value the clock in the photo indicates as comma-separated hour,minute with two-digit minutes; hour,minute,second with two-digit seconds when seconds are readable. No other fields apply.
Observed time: 7,30,21
